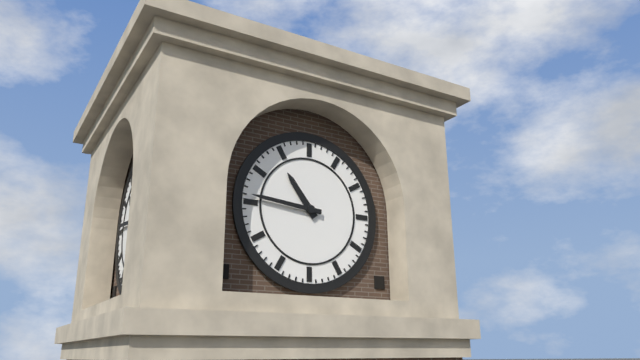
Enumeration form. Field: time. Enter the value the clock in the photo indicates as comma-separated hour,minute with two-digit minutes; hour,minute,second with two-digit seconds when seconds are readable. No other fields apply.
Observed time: 10,46
